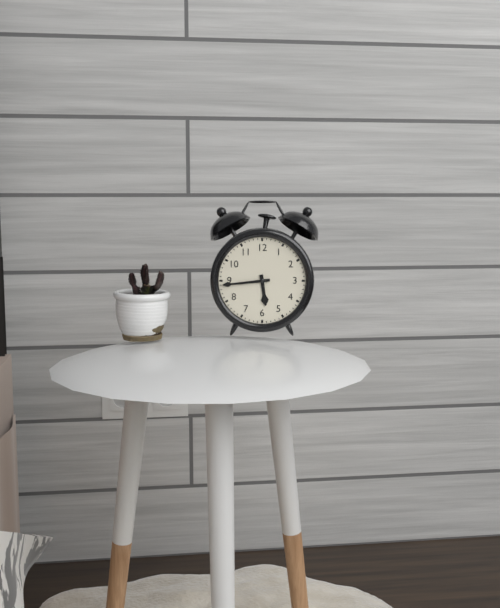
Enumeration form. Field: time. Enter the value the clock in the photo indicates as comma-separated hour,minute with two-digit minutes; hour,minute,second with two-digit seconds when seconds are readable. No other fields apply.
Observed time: 5,44
